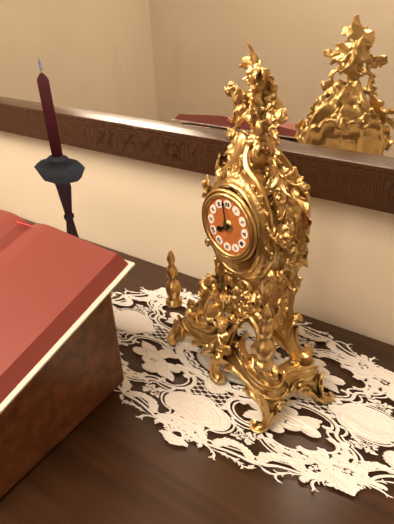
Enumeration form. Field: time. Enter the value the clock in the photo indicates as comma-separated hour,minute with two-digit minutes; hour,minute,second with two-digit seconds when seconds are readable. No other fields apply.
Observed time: 7,58
